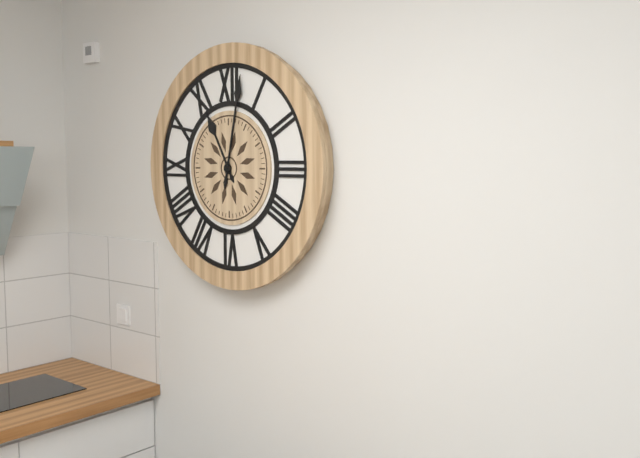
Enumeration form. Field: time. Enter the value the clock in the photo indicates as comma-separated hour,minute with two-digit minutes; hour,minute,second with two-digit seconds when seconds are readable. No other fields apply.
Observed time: 11,02
